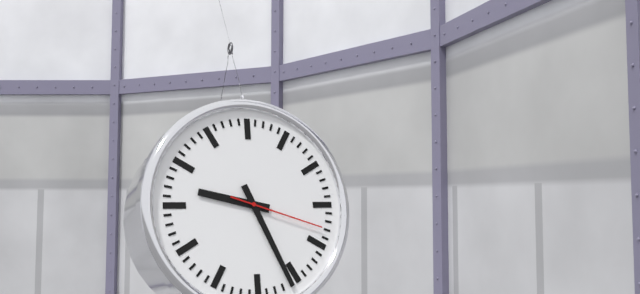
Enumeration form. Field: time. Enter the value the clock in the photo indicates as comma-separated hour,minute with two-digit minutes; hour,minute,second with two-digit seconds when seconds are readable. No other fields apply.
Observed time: 9,26,18
